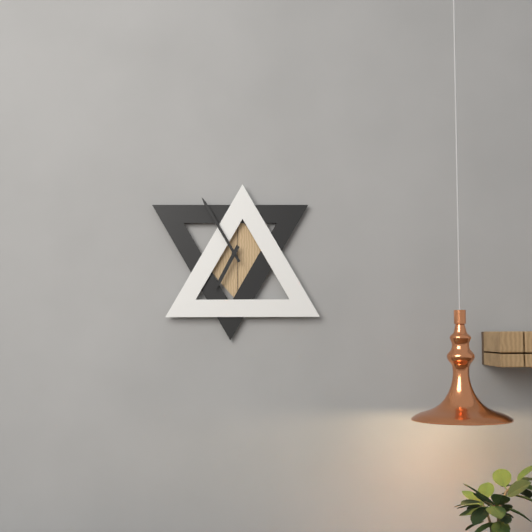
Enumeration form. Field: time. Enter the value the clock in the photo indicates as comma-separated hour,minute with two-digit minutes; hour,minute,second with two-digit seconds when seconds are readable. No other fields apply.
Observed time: 6,55
